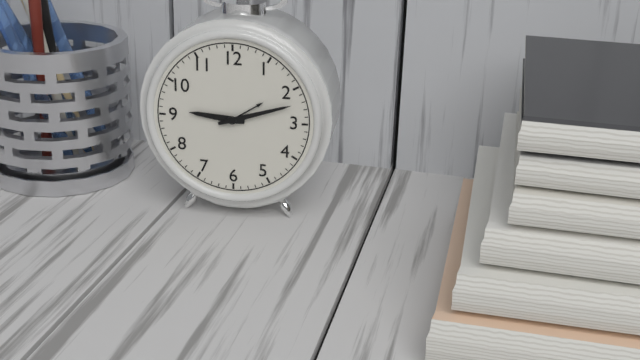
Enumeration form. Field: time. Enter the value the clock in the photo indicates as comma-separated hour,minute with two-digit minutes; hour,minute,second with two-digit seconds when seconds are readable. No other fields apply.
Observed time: 9,12
